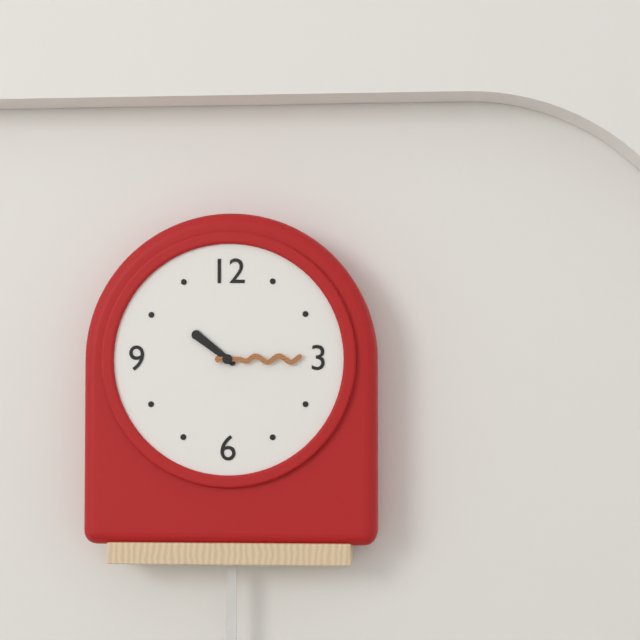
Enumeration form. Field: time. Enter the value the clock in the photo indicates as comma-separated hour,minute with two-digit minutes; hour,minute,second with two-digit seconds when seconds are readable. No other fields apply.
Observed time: 10,15
